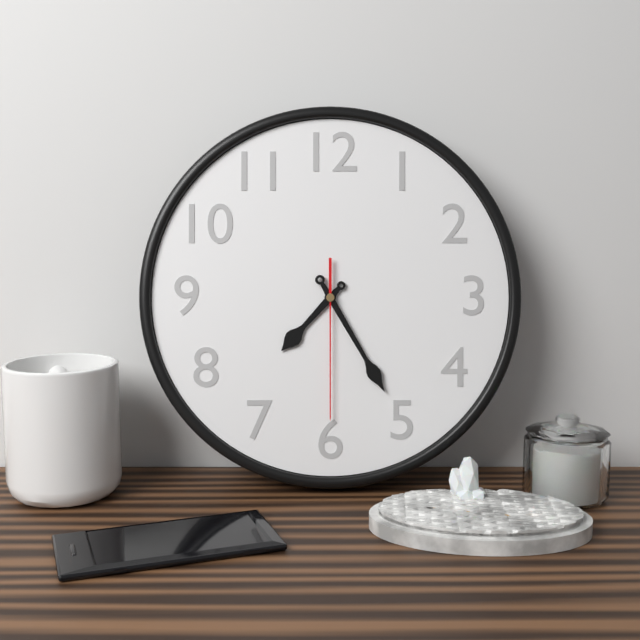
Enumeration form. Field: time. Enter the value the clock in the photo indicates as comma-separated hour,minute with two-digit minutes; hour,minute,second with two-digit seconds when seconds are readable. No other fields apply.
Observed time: 7,25,30
